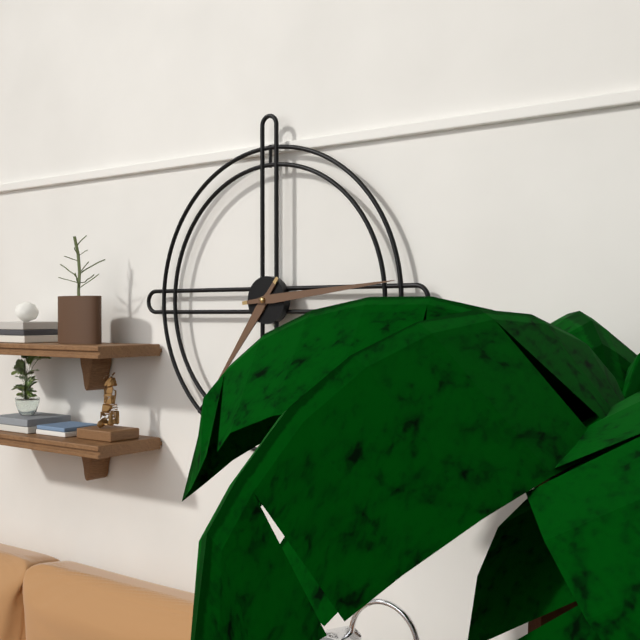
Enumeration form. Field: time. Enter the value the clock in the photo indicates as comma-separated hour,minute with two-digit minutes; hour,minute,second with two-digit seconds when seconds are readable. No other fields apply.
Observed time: 7,14
